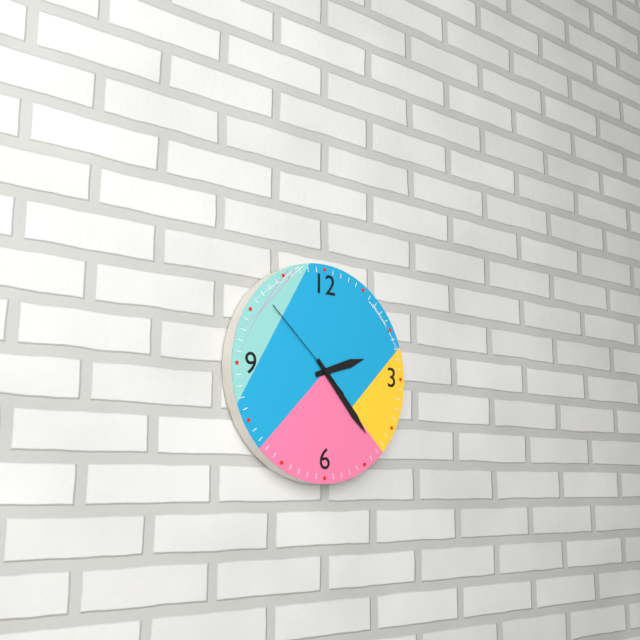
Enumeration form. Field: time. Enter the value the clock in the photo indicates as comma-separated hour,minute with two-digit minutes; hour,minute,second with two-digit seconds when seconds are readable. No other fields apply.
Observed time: 2,23,52
